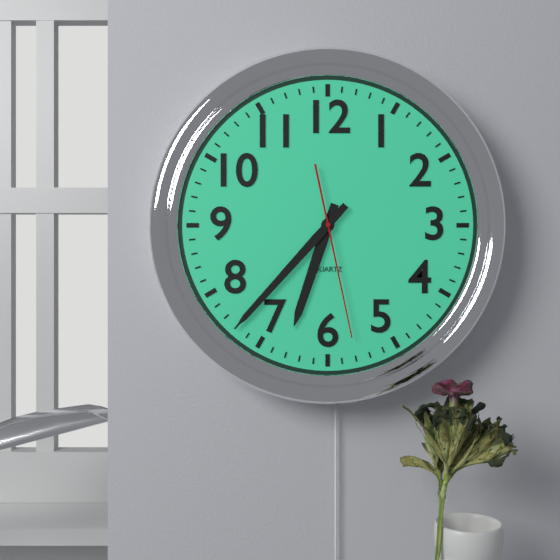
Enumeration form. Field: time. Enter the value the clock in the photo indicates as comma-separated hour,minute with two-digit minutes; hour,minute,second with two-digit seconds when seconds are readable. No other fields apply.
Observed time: 6,37,28
